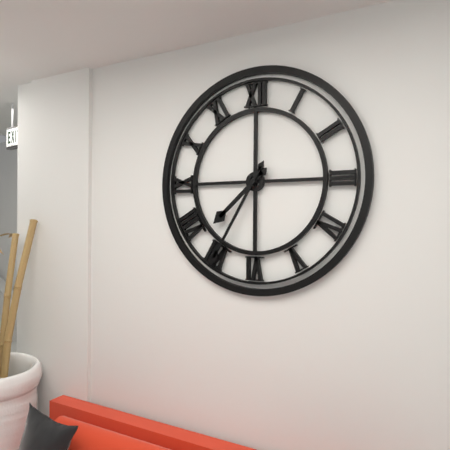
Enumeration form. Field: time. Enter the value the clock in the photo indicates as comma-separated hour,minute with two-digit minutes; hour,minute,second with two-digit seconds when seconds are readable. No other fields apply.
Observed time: 7,35
